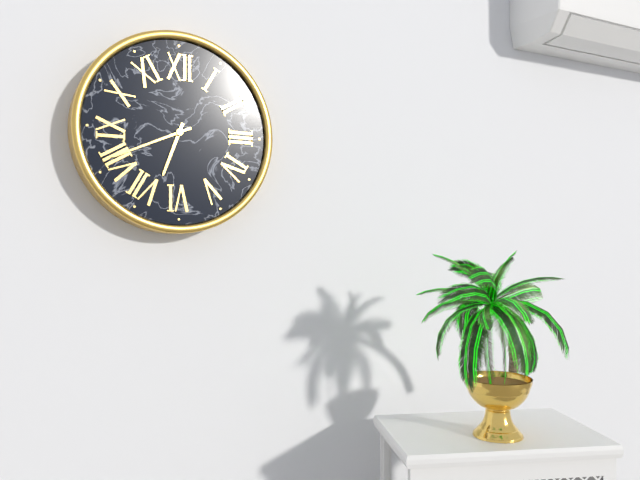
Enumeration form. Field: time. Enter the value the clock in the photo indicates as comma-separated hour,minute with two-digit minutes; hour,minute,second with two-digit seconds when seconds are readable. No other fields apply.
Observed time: 6,41
